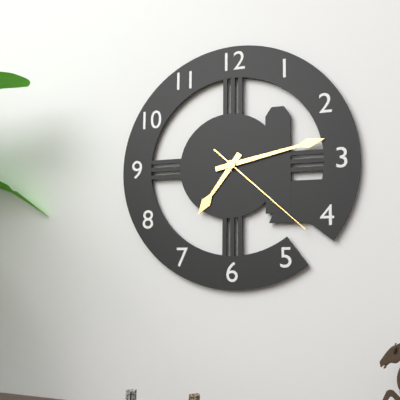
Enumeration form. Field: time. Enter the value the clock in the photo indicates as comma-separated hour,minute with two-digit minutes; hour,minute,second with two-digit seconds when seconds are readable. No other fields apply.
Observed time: 7,13,22
